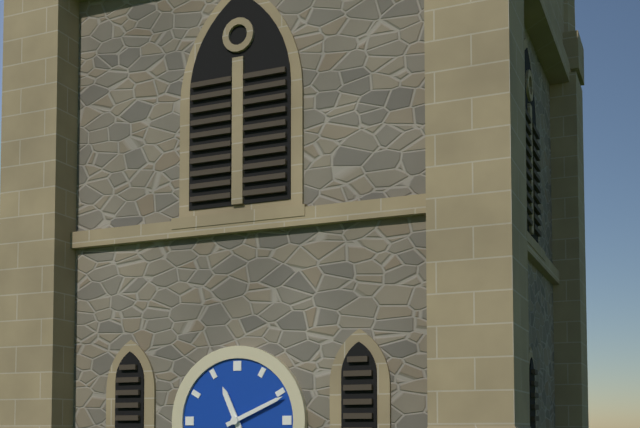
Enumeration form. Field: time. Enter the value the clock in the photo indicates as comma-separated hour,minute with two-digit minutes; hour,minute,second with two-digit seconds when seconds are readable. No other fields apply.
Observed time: 11,11
